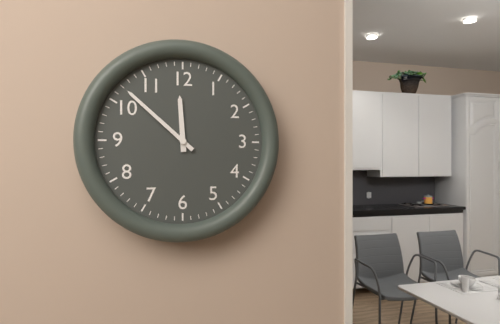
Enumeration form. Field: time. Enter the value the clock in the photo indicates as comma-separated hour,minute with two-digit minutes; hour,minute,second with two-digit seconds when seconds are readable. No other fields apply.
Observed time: 11,52
